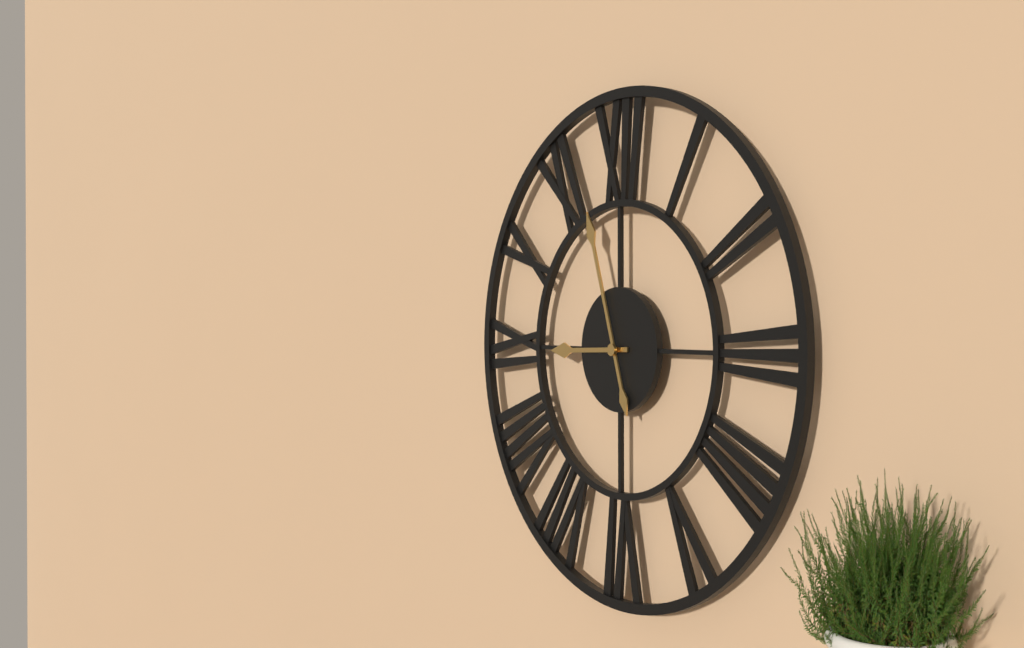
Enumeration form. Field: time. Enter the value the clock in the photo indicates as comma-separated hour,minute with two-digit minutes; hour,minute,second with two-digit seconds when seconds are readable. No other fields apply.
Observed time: 8,57
